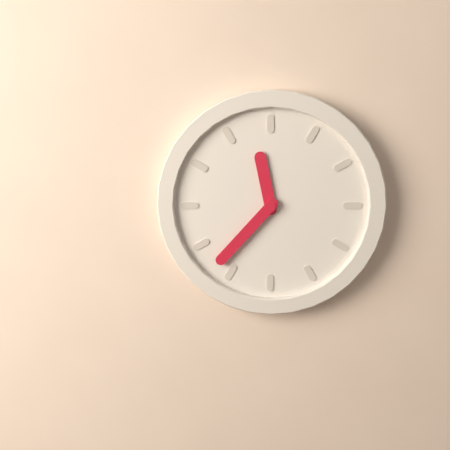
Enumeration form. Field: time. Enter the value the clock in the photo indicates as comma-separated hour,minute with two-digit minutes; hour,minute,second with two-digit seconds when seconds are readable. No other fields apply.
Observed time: 11,37
